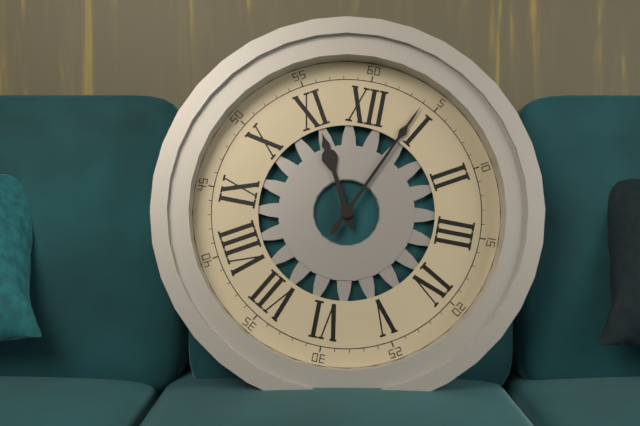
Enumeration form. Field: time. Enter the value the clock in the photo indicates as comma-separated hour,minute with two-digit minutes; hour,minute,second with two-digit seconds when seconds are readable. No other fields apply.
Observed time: 11,04
